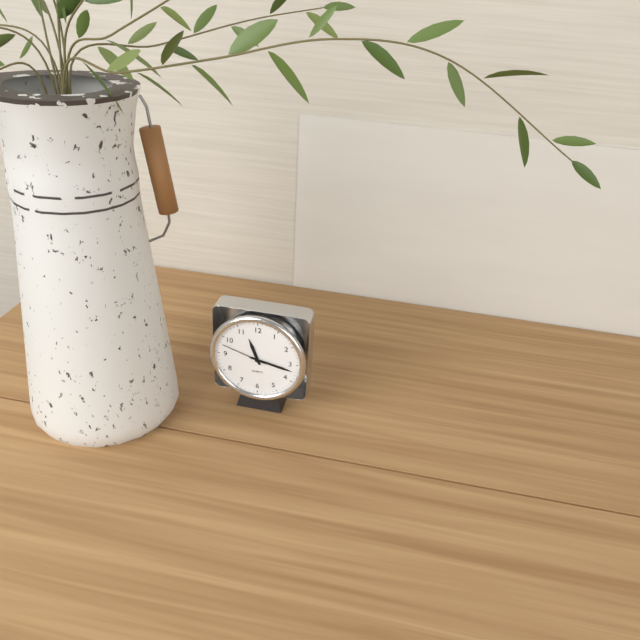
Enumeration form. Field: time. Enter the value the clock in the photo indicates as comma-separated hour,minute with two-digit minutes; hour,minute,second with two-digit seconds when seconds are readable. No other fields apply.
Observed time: 11,17
